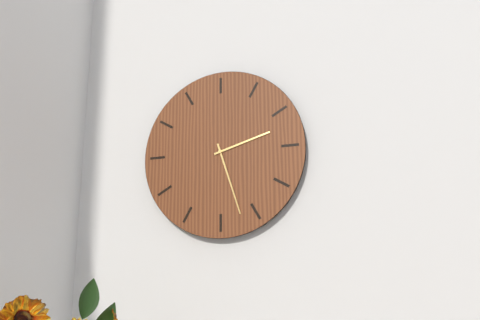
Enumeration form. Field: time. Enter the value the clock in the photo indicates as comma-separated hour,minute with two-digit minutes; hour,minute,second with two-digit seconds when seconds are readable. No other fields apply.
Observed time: 2,27
